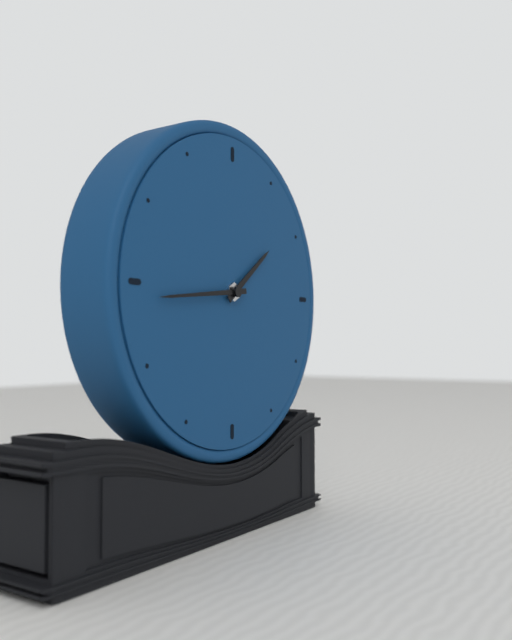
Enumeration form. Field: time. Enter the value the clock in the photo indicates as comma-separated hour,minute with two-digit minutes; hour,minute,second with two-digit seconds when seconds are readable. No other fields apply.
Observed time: 1,44
